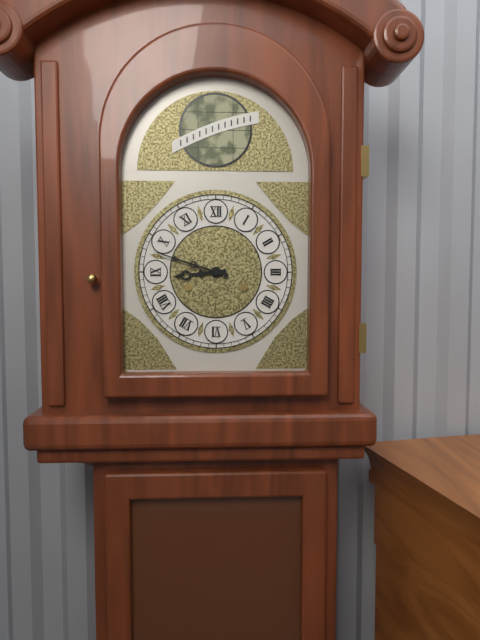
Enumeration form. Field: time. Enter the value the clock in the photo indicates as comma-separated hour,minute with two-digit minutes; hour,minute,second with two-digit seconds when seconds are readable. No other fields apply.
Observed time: 8,48
